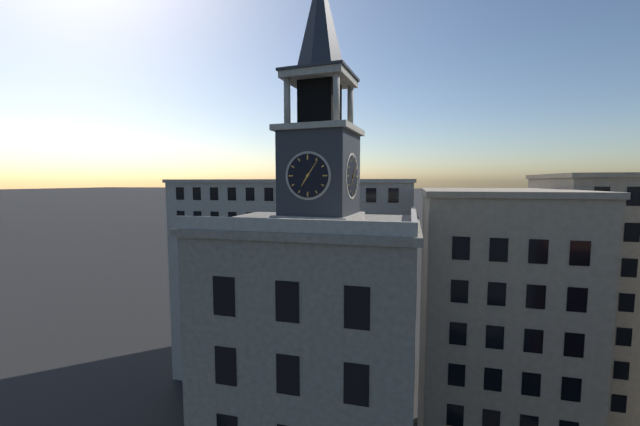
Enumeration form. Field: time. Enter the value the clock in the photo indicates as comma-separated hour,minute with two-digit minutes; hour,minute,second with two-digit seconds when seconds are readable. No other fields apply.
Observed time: 7,06
